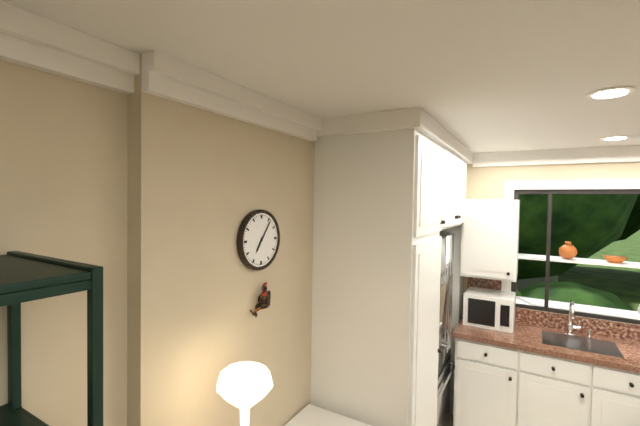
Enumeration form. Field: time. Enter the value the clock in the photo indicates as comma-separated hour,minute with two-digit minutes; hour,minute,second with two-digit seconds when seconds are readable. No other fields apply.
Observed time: 7,06
